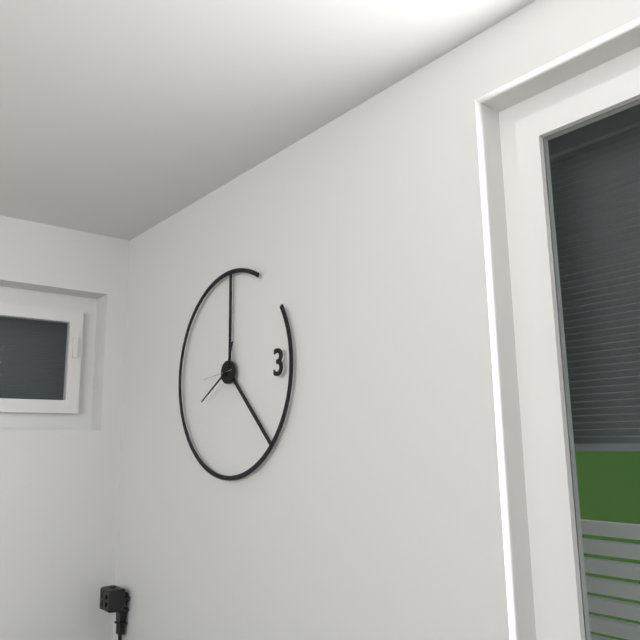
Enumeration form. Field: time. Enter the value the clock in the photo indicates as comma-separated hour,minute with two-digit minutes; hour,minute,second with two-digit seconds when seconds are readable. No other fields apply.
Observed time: 12,40
